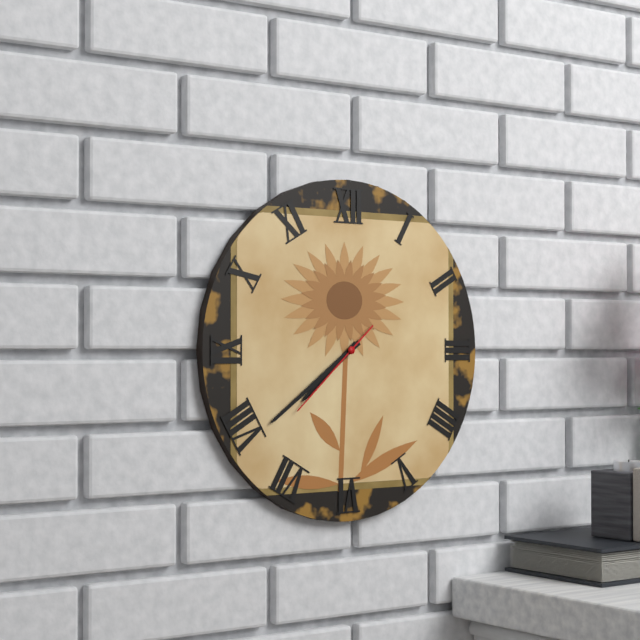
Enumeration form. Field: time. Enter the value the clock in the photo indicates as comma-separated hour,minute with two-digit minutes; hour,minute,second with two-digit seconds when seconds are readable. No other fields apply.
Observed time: 7,39,38
